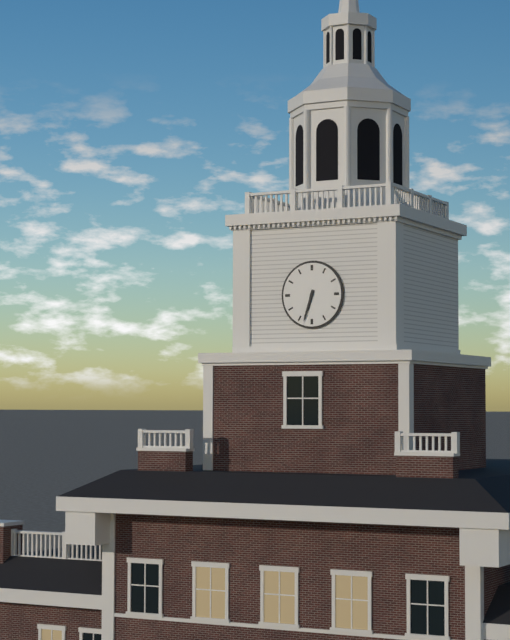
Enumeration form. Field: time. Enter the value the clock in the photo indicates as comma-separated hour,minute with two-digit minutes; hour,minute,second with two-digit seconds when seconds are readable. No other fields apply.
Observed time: 6,33
